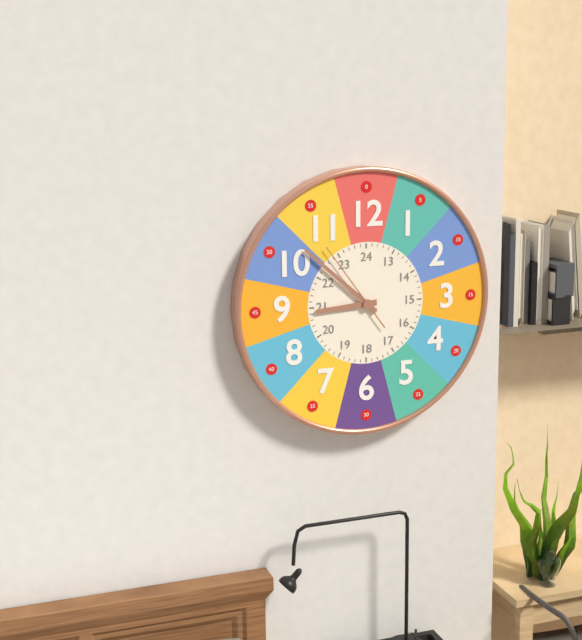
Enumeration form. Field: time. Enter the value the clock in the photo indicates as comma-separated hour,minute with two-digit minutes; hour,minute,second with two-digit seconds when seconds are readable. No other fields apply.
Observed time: 8,52,54
